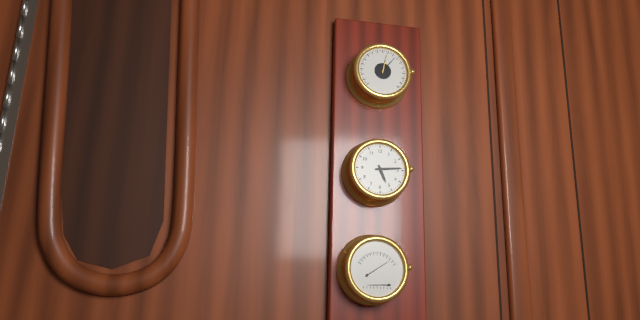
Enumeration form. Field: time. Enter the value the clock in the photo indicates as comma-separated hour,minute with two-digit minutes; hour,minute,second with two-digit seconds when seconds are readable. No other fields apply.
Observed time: 5,14
